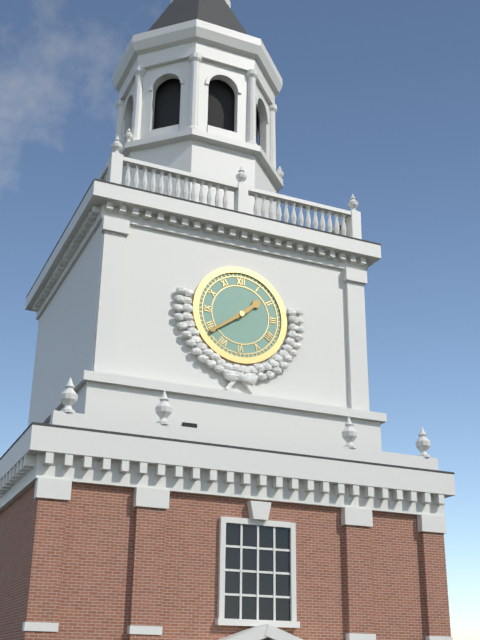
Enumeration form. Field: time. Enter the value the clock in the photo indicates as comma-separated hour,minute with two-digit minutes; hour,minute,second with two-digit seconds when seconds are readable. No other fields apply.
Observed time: 1,39
